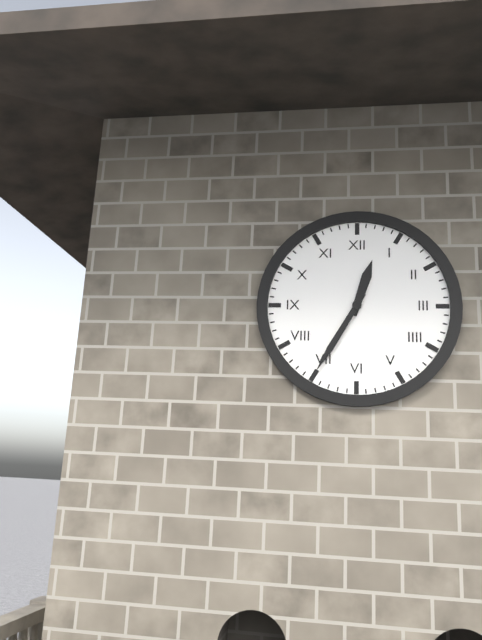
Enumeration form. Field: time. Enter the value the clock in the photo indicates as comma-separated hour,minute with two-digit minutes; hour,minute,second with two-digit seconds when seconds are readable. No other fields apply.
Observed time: 12,35
